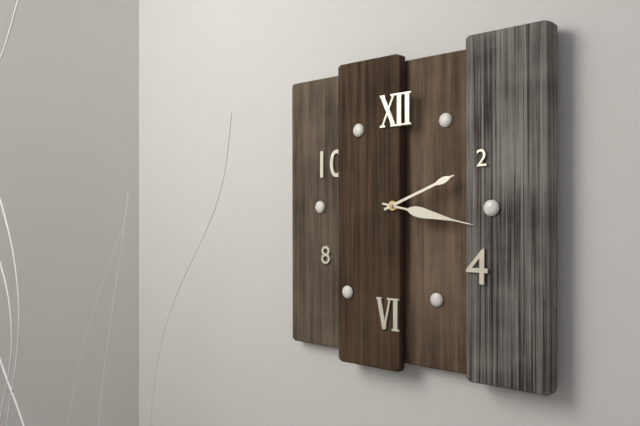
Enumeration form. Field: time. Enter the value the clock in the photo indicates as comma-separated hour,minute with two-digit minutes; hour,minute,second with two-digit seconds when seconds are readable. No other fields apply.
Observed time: 2,17
